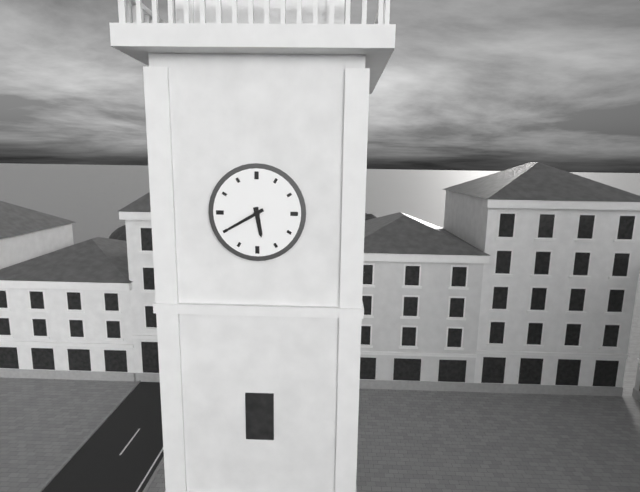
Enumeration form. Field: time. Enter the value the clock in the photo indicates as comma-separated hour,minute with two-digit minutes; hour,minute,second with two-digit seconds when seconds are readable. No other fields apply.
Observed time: 5,40
